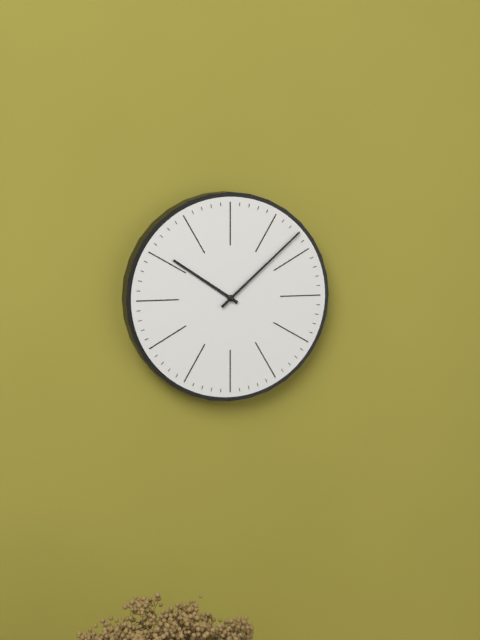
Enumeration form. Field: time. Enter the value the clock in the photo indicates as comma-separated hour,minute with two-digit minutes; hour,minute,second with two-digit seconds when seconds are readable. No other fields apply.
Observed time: 10,08
